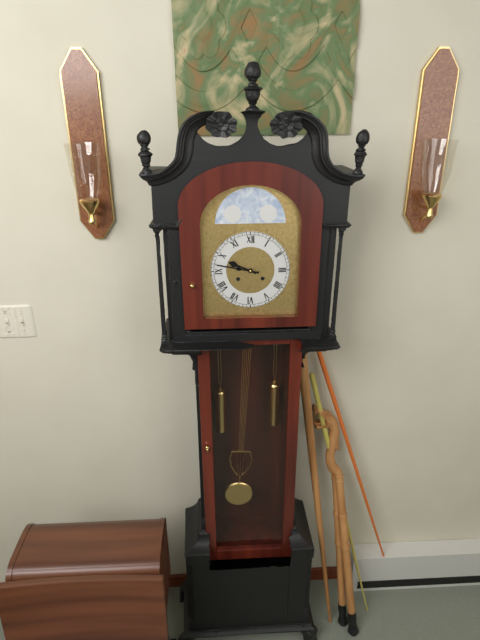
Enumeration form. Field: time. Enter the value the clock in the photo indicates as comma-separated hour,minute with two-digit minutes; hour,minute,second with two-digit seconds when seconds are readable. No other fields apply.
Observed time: 9,47
